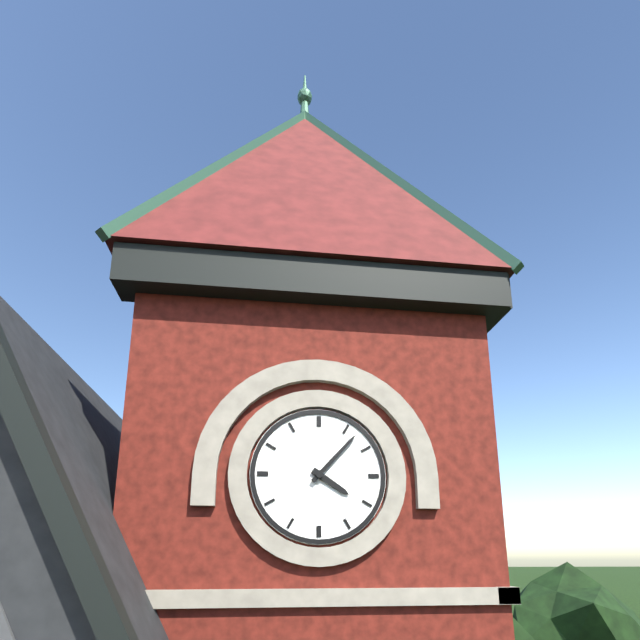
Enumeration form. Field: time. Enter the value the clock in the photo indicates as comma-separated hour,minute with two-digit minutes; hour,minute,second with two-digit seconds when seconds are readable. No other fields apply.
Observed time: 4,07
